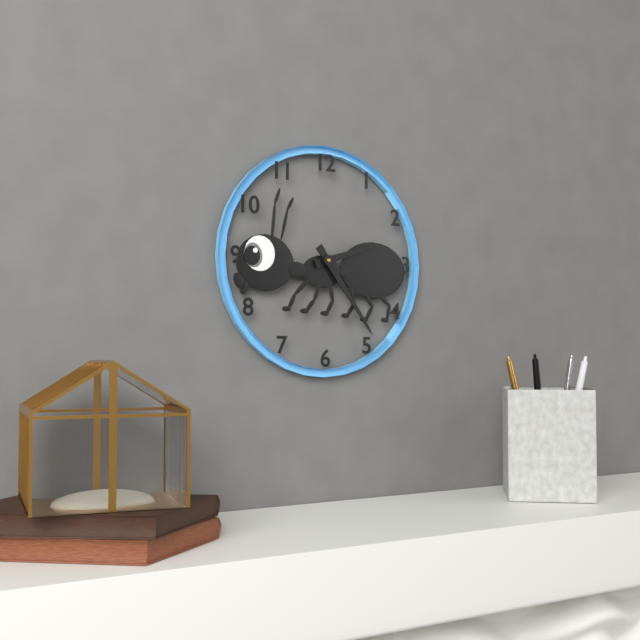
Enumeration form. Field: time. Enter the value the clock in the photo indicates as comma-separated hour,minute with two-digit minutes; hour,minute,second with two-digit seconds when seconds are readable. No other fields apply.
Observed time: 2,24
